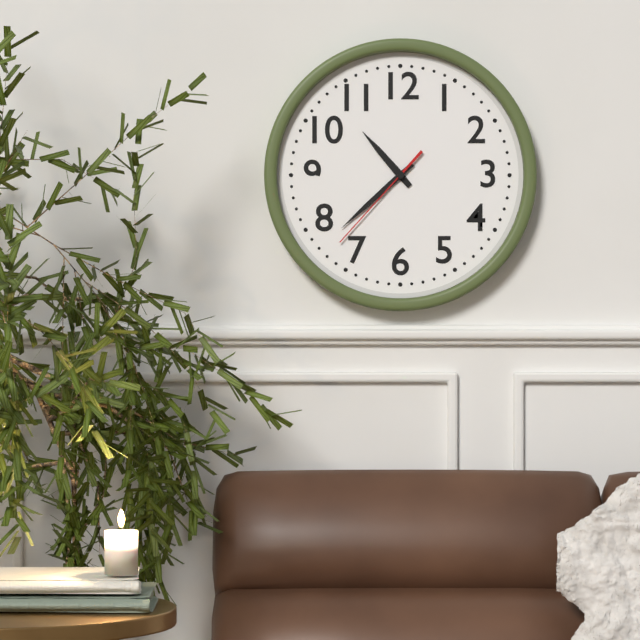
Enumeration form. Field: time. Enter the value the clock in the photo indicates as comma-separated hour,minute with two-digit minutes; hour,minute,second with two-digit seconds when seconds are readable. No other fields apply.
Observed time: 10,38,37
